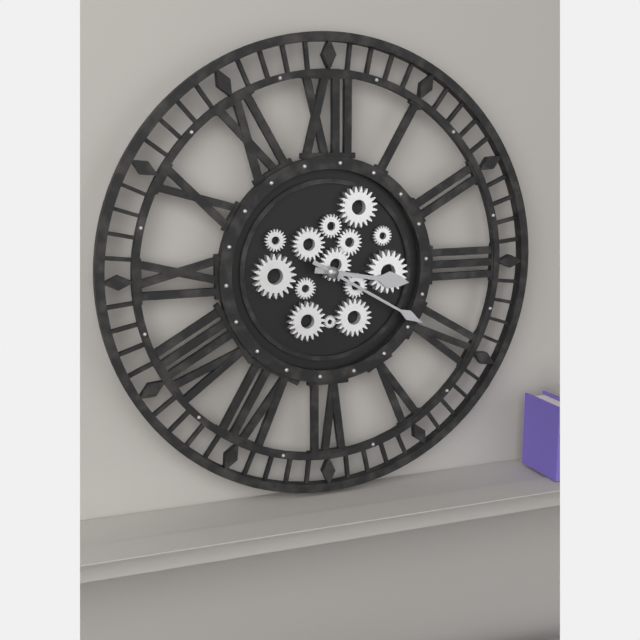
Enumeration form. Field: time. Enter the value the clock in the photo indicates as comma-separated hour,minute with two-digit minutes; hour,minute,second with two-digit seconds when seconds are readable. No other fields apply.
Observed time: 3,20
